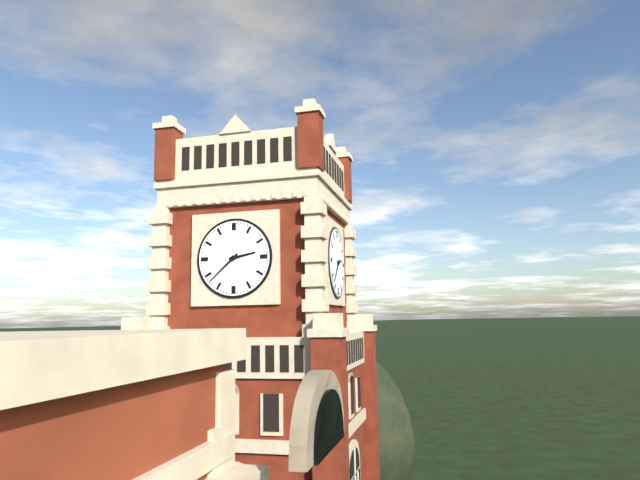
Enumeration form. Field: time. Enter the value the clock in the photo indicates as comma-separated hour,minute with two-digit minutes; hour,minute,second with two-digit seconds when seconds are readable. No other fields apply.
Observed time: 2,38
